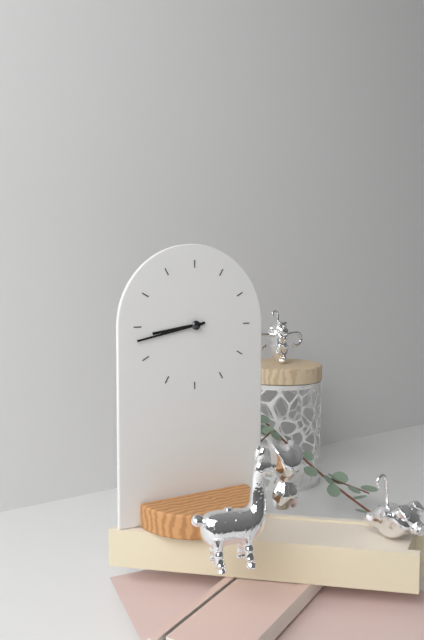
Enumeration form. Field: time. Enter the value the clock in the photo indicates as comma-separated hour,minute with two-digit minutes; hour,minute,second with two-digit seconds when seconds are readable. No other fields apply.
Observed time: 8,43
